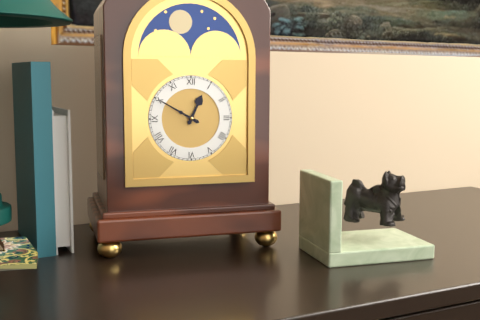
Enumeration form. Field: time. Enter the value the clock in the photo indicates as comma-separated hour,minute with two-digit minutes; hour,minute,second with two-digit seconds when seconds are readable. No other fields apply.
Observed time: 12,50
